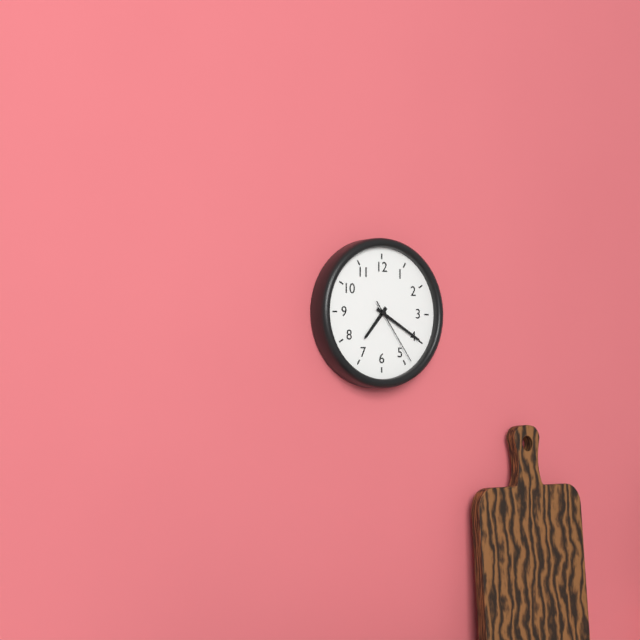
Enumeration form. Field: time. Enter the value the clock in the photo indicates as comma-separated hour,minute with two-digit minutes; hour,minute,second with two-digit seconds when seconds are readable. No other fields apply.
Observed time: 7,20,24
